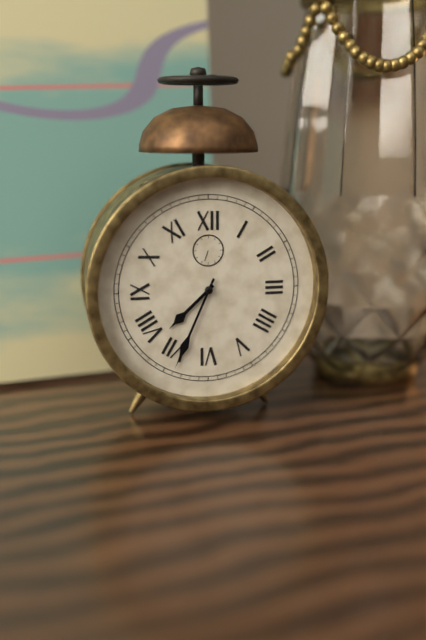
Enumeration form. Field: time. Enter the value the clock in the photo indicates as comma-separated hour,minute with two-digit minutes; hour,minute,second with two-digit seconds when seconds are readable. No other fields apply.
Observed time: 7,34
